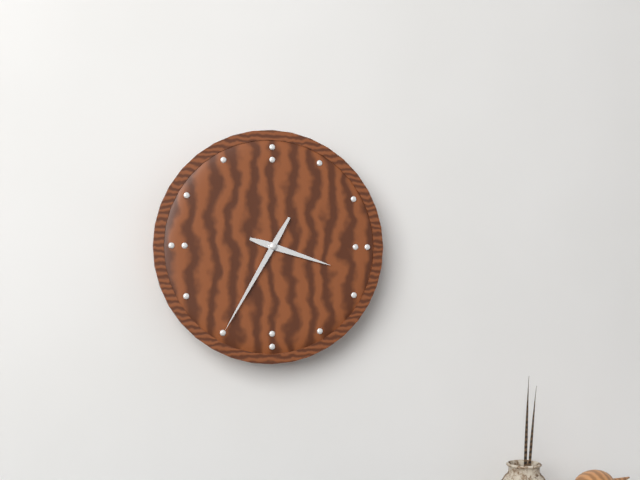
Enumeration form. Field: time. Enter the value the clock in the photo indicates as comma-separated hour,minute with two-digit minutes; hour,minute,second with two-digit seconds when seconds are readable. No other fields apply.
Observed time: 3,35
